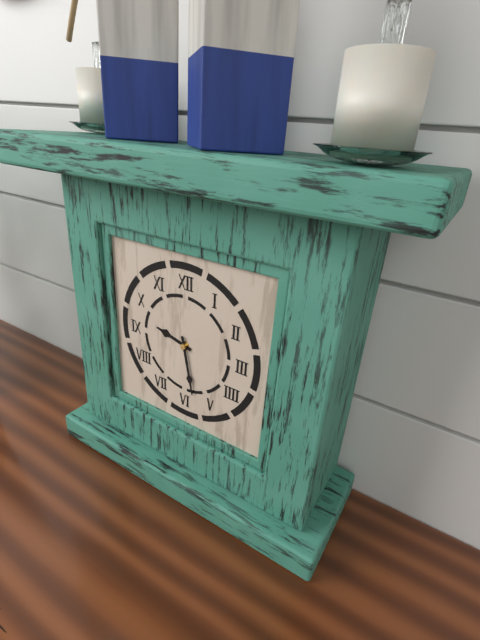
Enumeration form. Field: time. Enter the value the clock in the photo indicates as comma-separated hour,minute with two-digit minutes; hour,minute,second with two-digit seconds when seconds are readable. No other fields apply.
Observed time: 9,28
